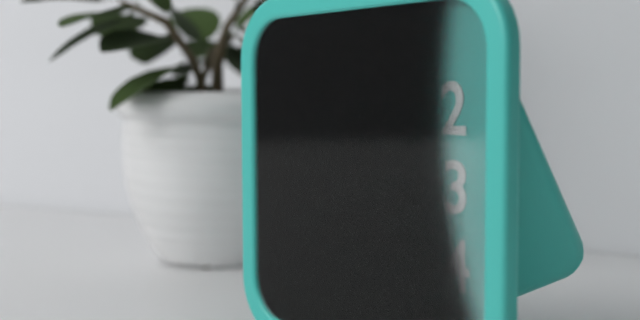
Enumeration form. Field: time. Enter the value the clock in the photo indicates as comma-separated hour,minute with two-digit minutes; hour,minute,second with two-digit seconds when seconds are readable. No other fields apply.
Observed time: 7,03,03
